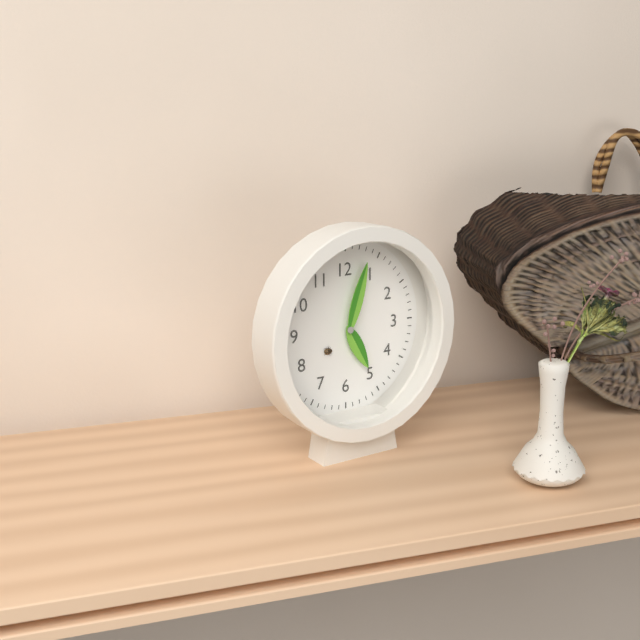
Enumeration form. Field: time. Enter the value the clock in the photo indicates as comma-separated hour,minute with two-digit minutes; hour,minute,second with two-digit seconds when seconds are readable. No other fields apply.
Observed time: 5,03
